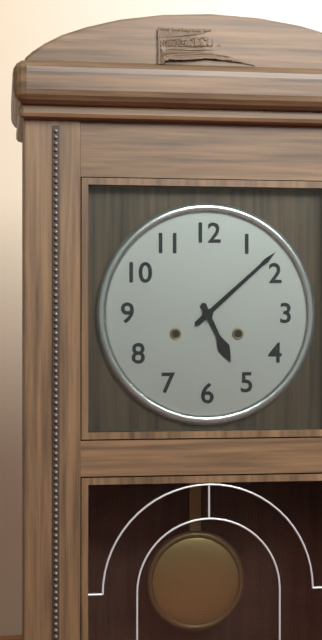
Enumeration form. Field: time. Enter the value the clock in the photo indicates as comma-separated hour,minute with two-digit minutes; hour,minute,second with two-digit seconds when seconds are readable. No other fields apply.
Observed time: 5,08
